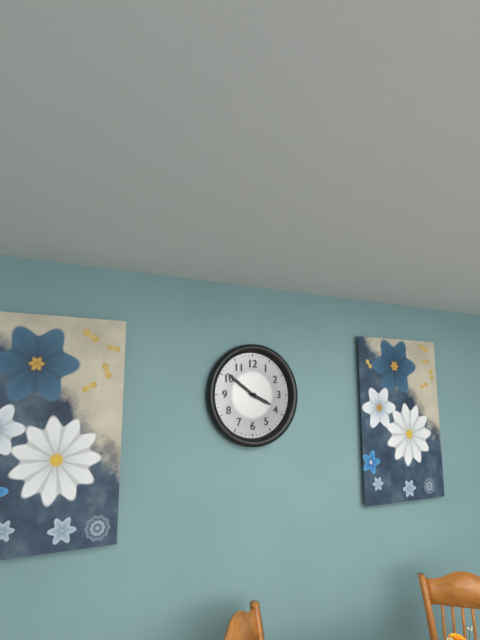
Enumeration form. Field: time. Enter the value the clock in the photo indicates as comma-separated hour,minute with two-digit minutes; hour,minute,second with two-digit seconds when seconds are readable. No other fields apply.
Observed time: 3,51
